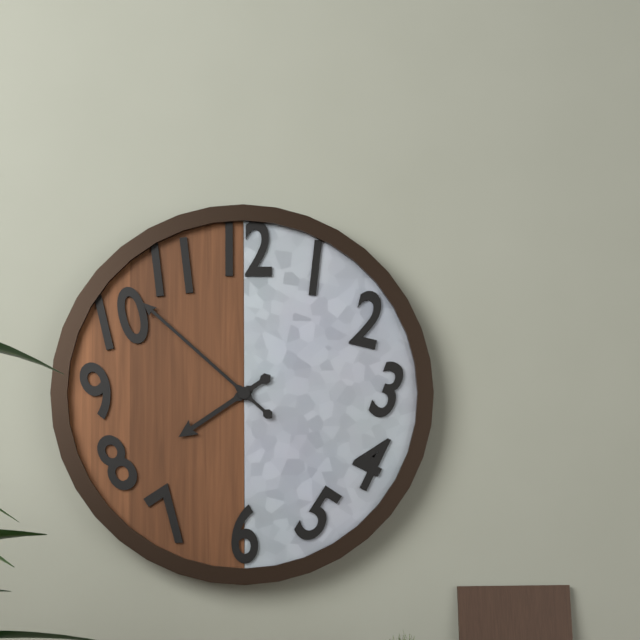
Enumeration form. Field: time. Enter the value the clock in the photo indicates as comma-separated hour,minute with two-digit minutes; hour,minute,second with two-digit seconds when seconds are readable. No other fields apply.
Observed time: 7,52
